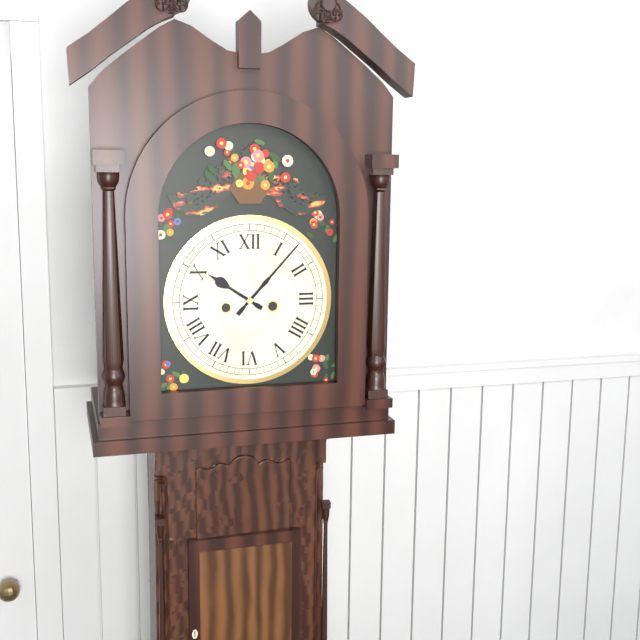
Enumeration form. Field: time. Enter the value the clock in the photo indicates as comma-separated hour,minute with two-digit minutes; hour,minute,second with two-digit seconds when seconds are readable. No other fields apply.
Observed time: 10,07
